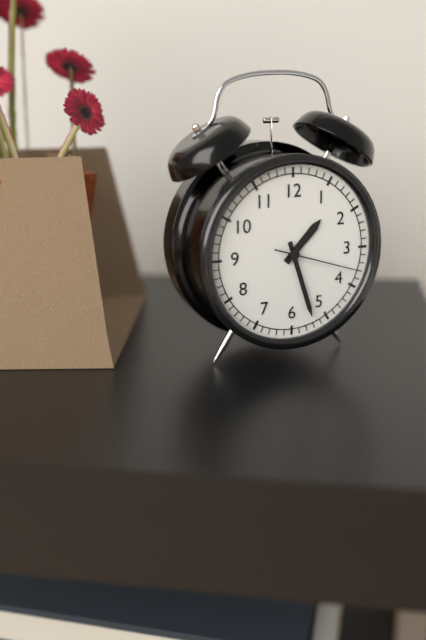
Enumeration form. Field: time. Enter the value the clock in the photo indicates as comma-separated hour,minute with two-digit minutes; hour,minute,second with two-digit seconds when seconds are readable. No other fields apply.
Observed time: 1,27,18
